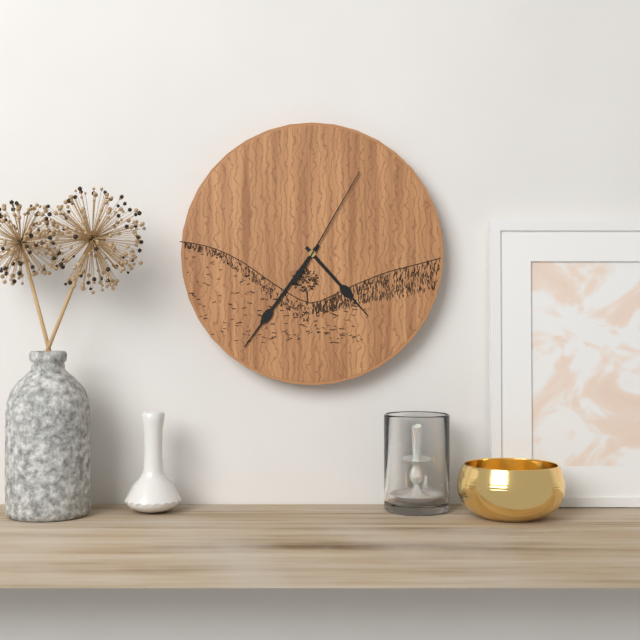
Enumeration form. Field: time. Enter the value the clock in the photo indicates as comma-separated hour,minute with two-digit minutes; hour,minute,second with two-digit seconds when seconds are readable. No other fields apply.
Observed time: 4,36,05
